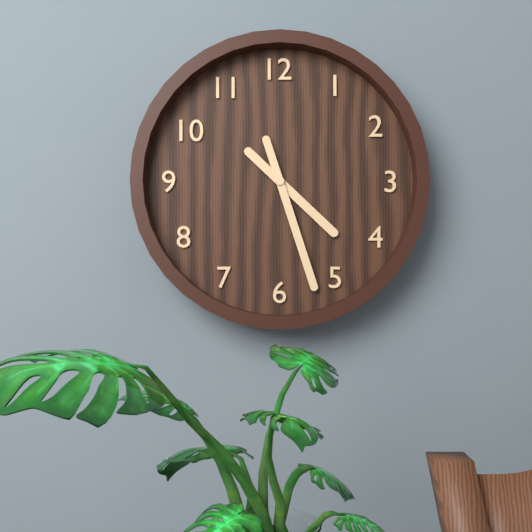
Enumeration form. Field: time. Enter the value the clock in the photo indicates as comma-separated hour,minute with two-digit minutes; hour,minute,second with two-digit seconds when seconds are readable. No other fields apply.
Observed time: 4,27
